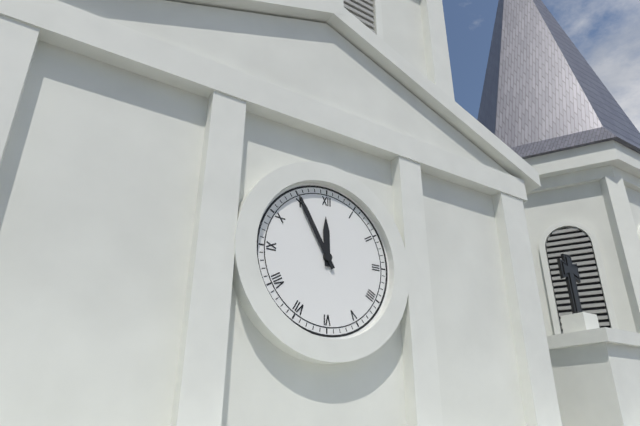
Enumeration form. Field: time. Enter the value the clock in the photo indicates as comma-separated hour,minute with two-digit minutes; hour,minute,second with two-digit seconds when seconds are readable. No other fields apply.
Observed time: 11,55
